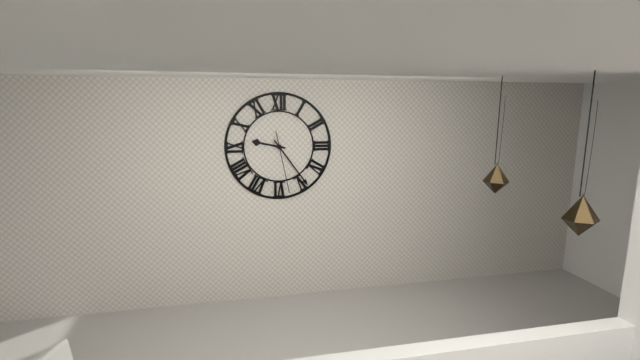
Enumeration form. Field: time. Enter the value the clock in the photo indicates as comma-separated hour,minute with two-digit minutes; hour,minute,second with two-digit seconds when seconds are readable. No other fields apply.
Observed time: 9,24,28
